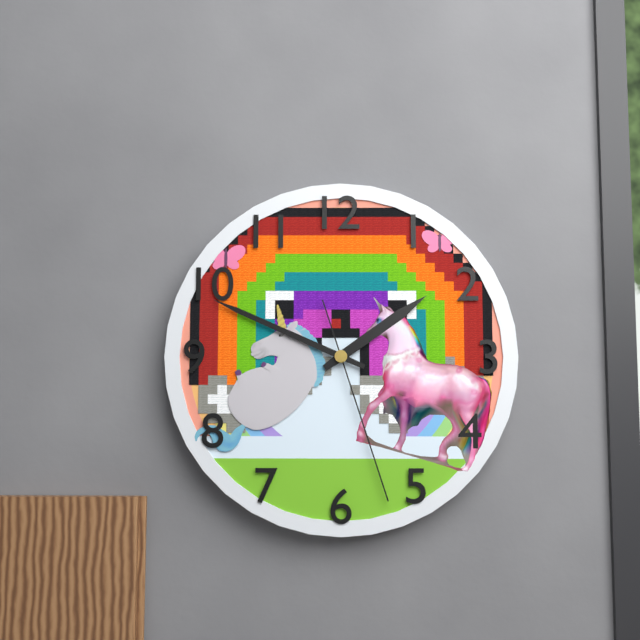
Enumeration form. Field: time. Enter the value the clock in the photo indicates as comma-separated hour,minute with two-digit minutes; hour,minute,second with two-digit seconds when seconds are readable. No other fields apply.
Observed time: 1,49,27
